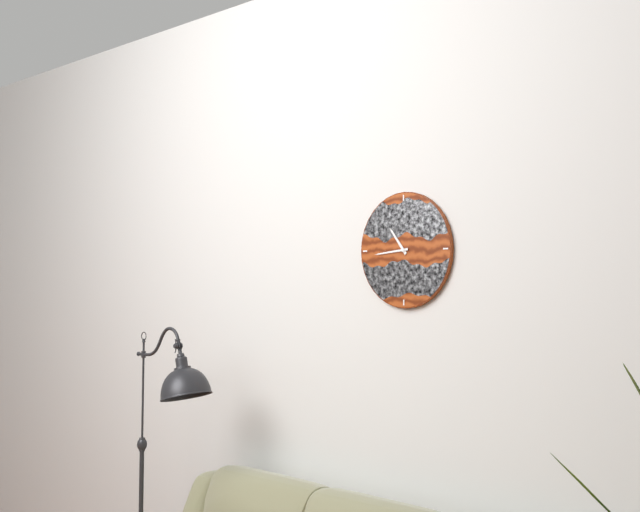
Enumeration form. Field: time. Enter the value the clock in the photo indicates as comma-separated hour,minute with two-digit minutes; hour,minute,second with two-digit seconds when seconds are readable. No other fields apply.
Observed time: 10,44
